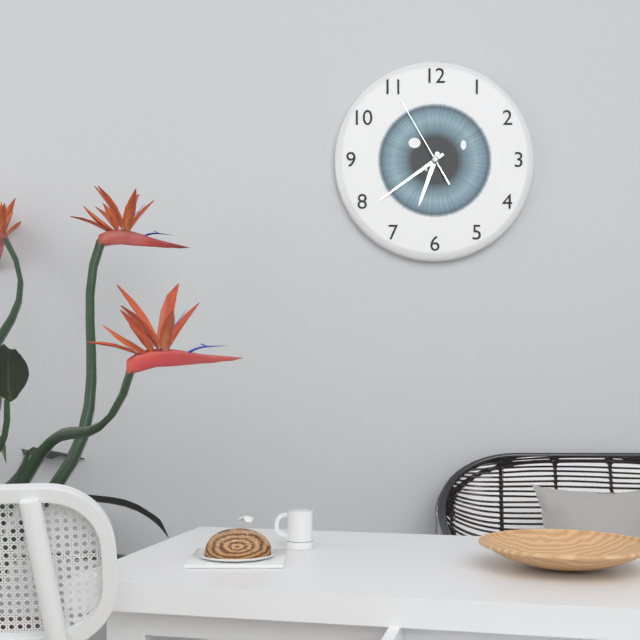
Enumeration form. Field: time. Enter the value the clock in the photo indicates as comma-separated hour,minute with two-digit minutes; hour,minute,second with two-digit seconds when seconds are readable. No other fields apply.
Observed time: 6,39,55
